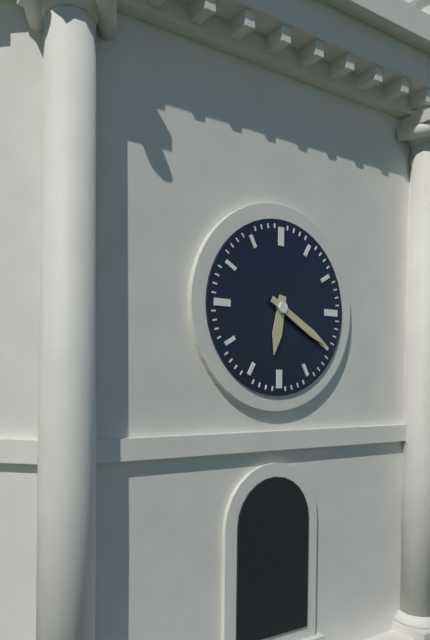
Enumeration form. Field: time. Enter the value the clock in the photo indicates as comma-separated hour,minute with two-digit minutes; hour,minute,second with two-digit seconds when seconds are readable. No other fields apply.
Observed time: 6,20
